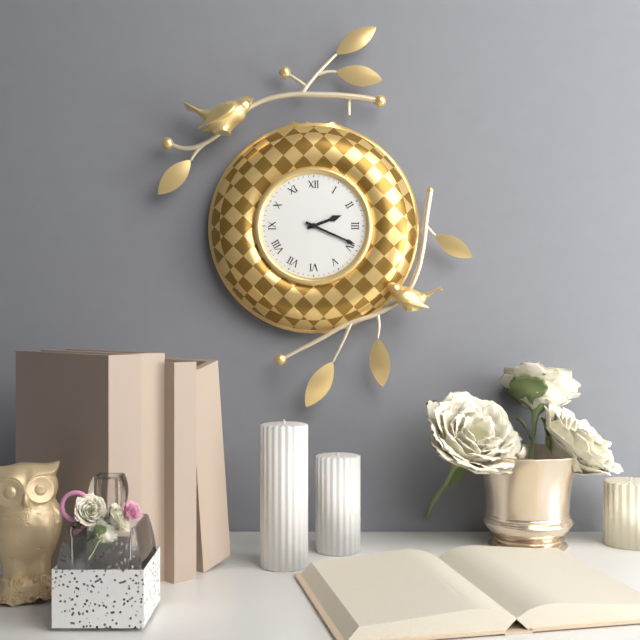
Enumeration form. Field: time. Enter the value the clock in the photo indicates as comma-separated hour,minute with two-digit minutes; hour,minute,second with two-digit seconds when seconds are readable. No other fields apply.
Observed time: 2,19
